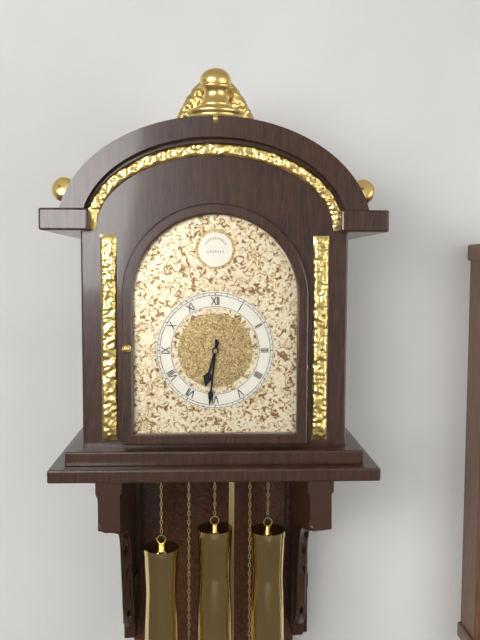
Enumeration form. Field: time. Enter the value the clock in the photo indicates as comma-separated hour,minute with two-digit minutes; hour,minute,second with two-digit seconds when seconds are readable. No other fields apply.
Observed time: 6,31
